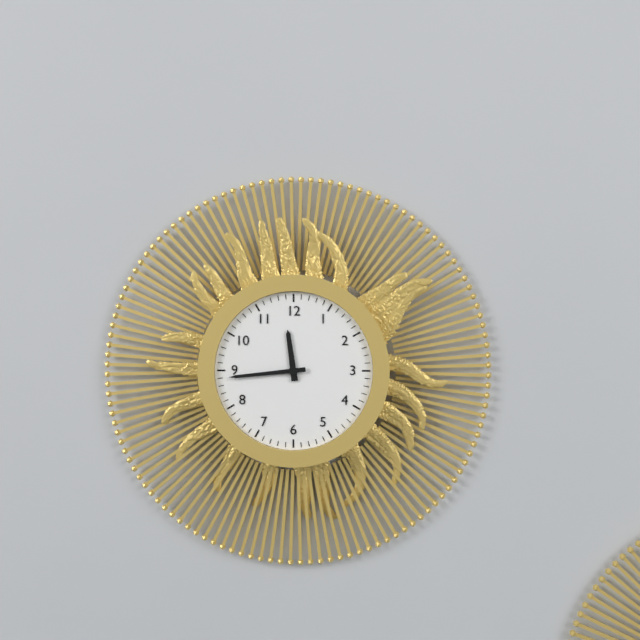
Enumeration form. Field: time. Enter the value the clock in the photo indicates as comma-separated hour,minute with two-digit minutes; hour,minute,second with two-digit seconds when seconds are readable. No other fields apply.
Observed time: 11,44
